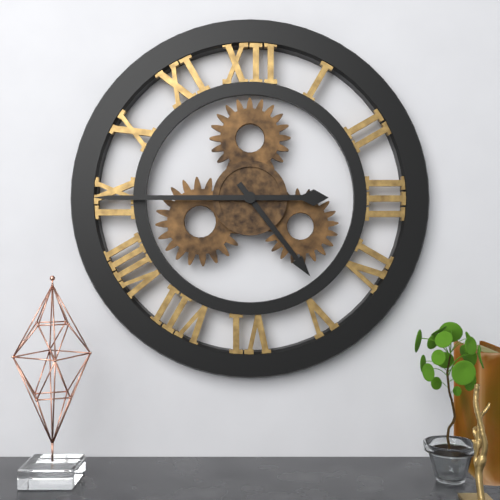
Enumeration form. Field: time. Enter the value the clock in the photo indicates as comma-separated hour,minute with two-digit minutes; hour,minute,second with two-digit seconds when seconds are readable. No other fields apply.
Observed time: 4,45
